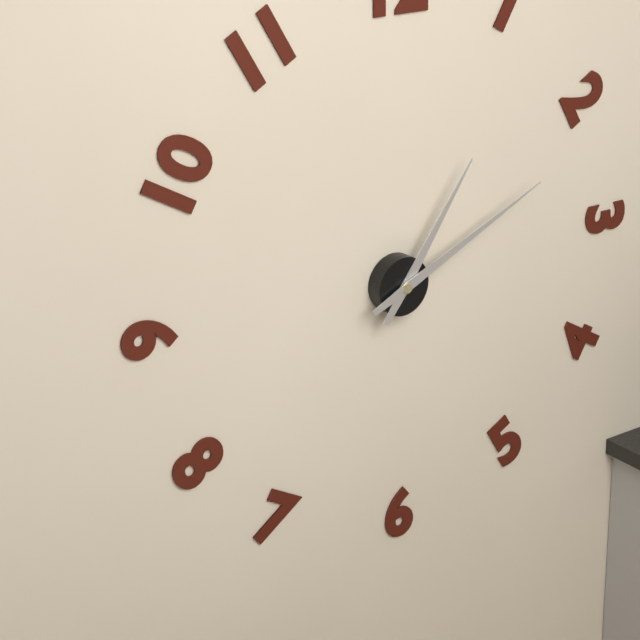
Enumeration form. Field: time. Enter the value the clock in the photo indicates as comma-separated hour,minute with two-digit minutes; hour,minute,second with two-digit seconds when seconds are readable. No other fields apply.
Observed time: 1,11
